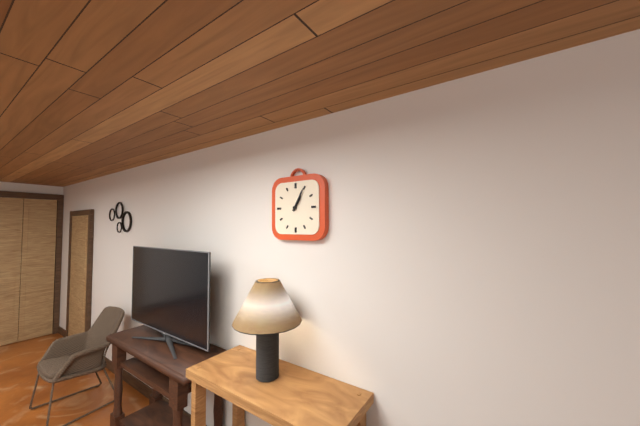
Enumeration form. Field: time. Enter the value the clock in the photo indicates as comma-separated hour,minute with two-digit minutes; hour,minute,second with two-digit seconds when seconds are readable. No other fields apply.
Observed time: 1,05
